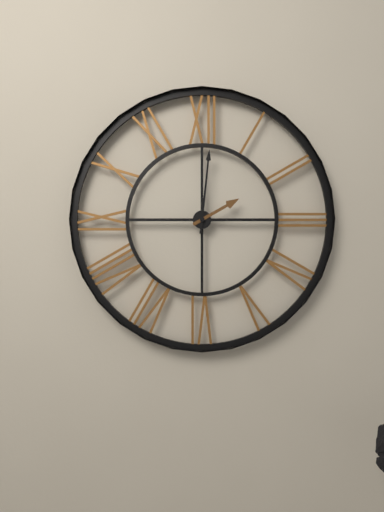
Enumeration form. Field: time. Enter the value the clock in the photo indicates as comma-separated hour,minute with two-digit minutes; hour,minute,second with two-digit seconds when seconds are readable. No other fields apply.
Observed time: 2,01
